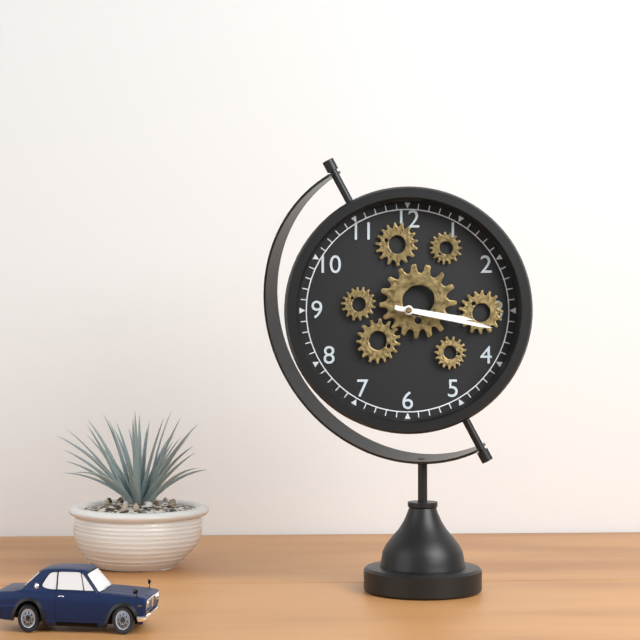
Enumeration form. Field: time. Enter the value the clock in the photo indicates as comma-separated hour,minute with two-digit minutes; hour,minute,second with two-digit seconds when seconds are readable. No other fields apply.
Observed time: 3,17
